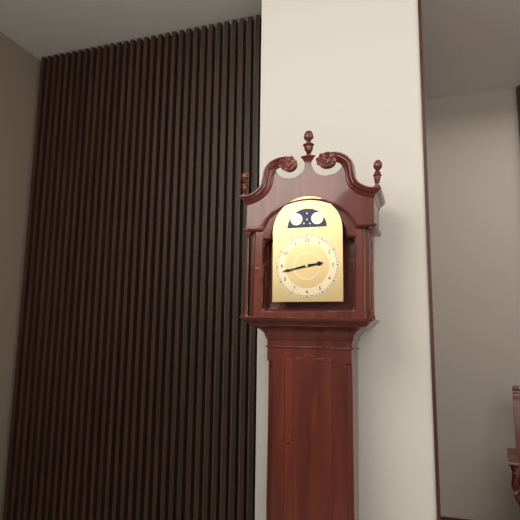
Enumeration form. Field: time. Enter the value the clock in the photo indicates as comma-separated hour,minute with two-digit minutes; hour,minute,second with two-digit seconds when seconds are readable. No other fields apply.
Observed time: 2,43
